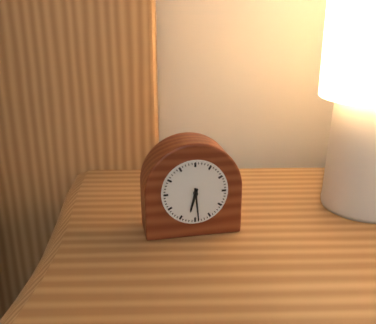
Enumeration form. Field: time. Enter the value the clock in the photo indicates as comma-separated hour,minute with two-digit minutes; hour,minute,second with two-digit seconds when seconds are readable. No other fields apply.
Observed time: 6,29
